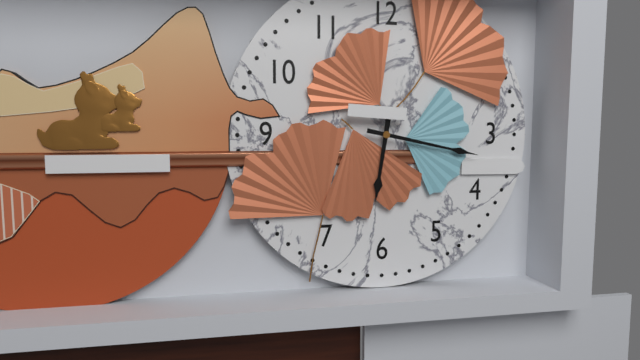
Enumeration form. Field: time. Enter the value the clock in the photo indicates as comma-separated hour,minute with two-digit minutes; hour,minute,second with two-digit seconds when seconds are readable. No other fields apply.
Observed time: 6,17
